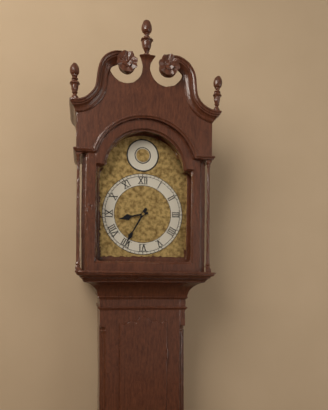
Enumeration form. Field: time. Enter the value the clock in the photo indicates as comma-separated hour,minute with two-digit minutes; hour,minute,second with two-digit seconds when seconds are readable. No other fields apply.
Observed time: 8,35
